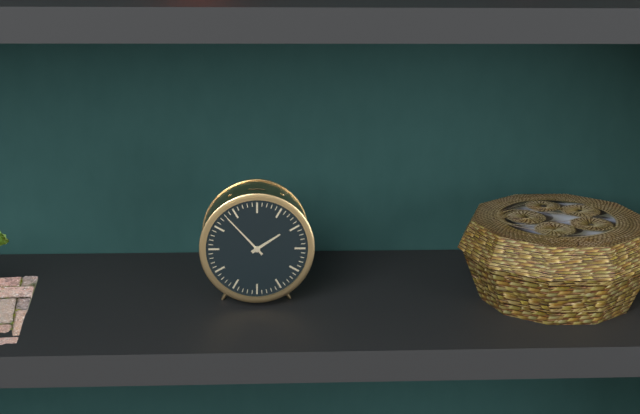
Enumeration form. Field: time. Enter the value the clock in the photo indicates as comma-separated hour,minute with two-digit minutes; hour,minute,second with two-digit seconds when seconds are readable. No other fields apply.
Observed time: 1,53
